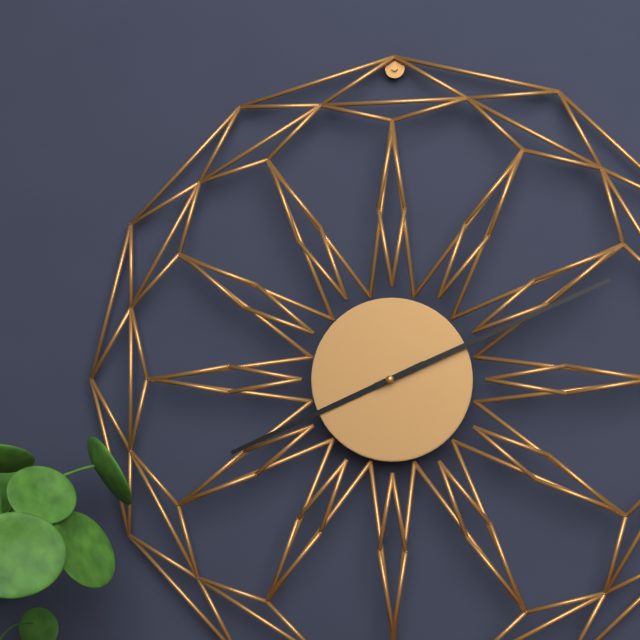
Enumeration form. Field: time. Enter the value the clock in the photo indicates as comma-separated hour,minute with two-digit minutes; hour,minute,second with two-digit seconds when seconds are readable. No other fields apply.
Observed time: 8,11
